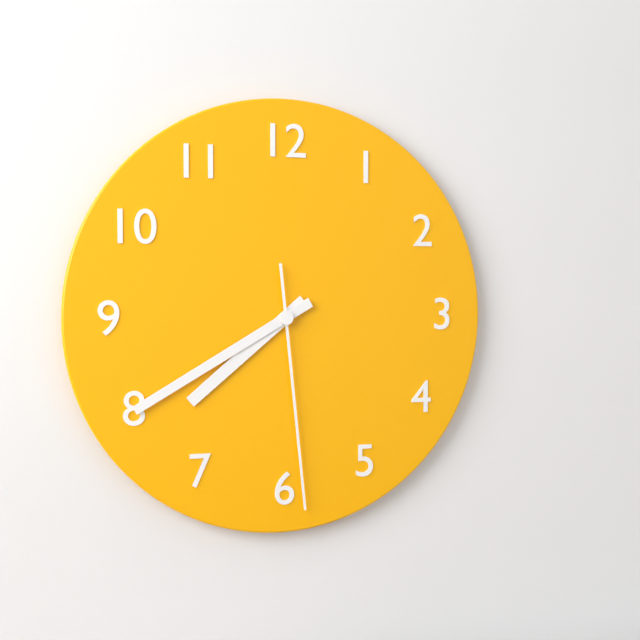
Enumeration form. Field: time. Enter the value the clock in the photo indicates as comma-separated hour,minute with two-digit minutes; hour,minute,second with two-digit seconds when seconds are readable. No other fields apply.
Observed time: 7,40,29
